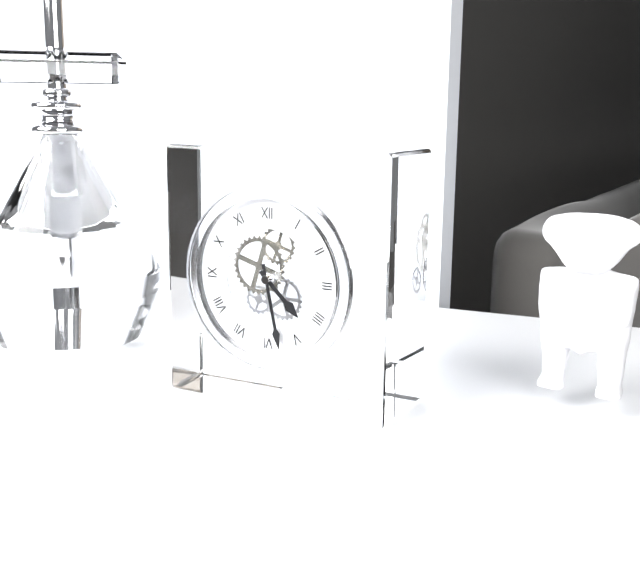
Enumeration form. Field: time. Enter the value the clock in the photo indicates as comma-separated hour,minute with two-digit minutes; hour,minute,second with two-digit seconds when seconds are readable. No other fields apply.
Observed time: 4,28
